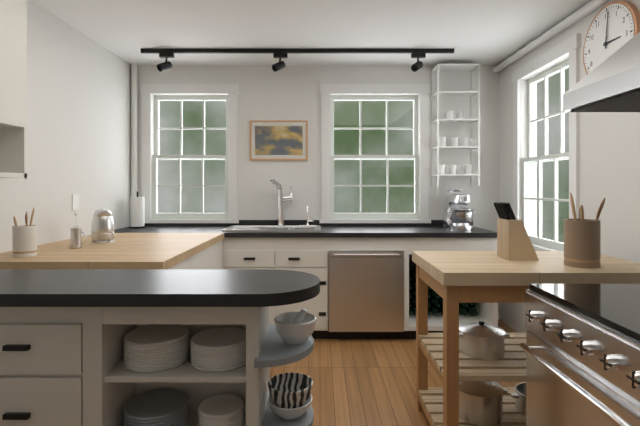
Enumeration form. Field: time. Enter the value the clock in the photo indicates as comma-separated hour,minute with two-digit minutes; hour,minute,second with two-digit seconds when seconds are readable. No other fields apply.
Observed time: 3,01
